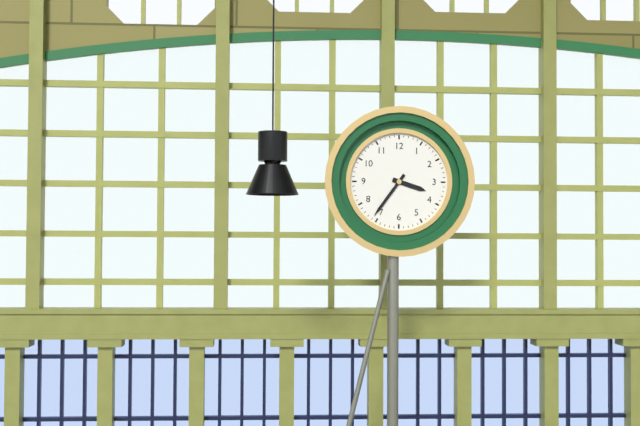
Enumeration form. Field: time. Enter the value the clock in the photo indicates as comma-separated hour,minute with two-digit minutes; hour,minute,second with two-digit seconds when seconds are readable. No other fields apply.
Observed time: 3,36
